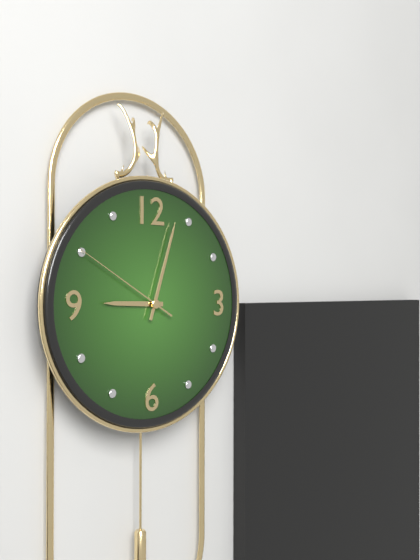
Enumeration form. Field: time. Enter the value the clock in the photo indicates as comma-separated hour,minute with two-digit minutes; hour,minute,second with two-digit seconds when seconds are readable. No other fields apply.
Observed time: 9,03,50
